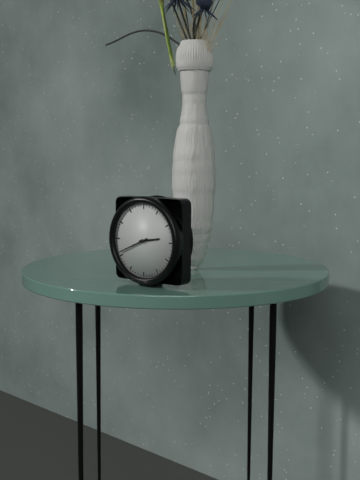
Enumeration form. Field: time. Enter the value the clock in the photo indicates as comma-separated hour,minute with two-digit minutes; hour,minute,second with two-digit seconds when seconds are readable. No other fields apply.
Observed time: 2,41
